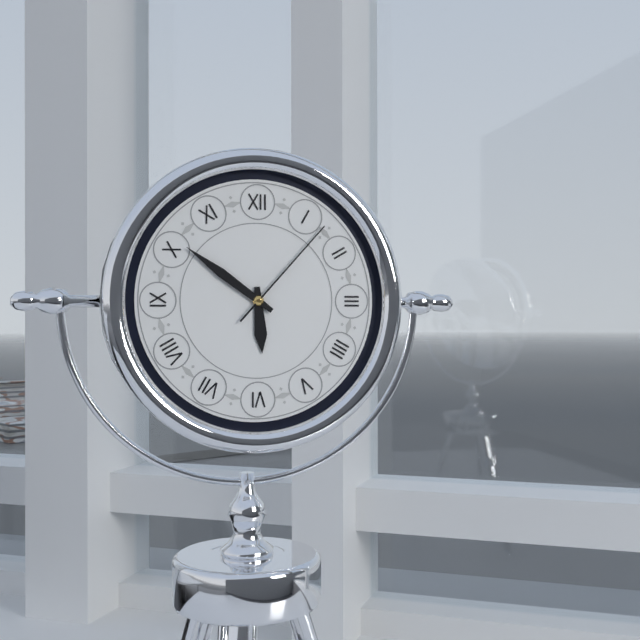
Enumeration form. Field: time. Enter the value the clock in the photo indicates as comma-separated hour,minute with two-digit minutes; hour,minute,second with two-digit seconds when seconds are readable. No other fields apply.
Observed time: 5,51,07
